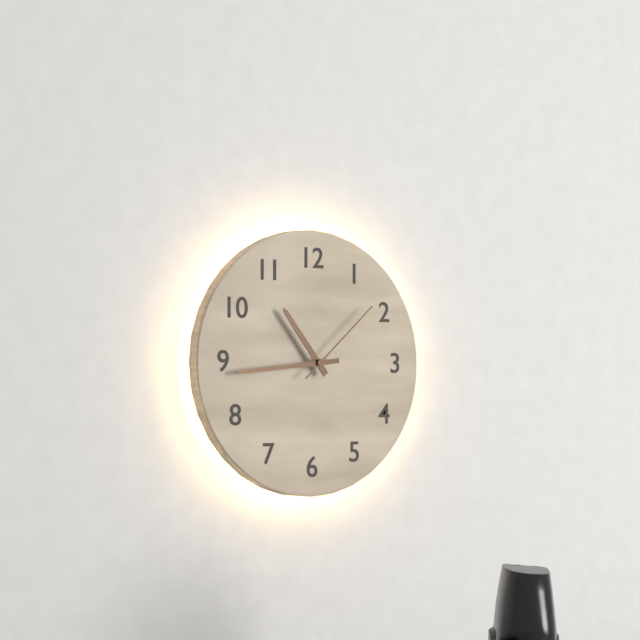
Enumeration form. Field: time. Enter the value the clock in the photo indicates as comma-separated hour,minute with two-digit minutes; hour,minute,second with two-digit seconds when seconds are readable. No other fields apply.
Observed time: 10,44,08
